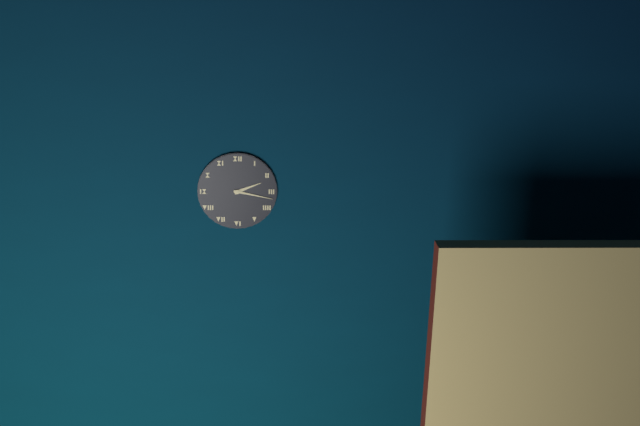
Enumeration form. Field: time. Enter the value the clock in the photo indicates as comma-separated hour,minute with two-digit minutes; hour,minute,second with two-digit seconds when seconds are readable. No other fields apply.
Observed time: 2,17
